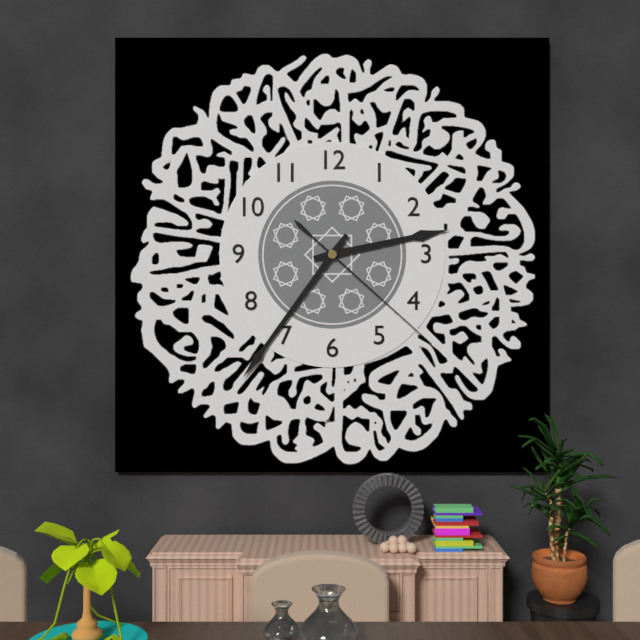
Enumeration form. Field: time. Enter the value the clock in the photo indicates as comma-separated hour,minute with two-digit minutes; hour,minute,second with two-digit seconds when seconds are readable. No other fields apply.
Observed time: 2,36,22
